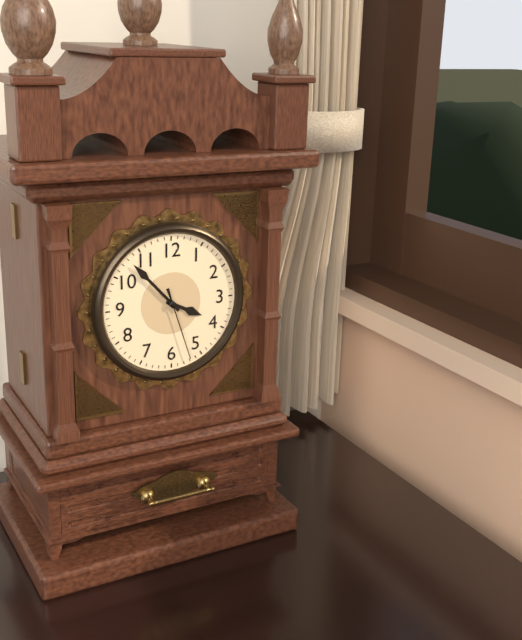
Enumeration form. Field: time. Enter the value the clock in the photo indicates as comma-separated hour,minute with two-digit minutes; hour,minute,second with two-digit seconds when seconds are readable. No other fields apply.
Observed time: 3,53,27
